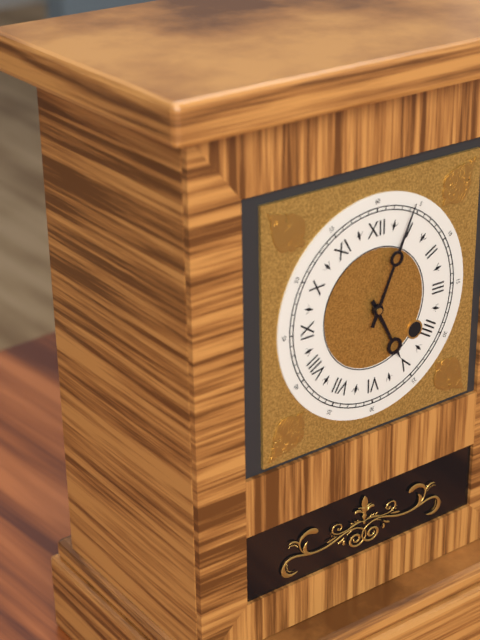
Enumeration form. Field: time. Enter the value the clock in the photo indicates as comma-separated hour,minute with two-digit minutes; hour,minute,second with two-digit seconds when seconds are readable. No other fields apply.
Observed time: 5,04
